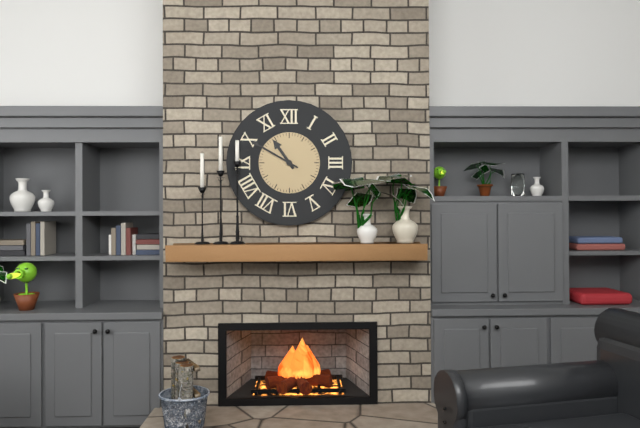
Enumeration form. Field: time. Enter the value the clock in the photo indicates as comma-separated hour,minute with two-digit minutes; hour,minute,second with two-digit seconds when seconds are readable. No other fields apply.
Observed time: 10,50
